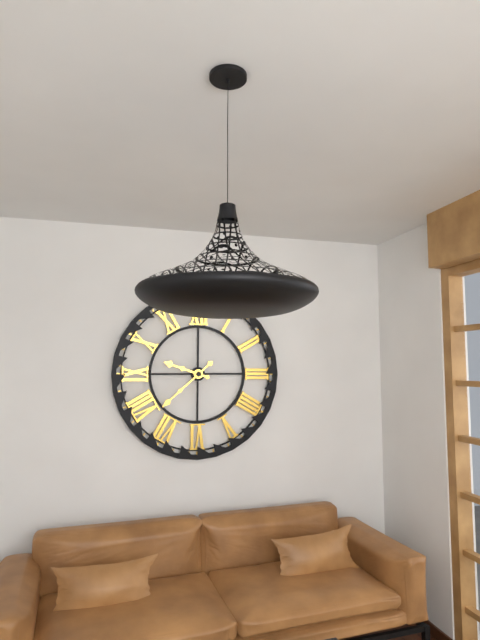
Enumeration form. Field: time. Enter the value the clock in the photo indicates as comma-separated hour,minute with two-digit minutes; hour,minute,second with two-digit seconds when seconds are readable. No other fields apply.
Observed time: 9,38
